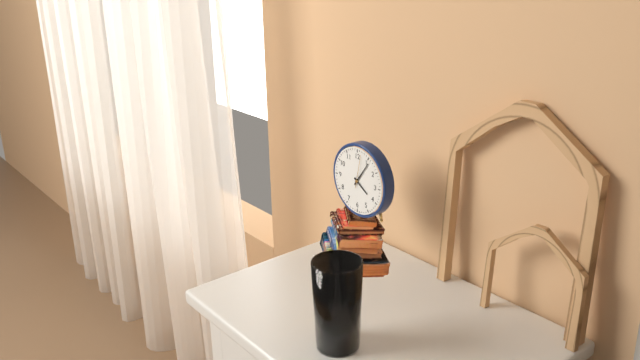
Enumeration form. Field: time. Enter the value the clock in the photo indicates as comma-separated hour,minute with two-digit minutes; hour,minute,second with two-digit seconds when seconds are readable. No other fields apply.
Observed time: 4,06
